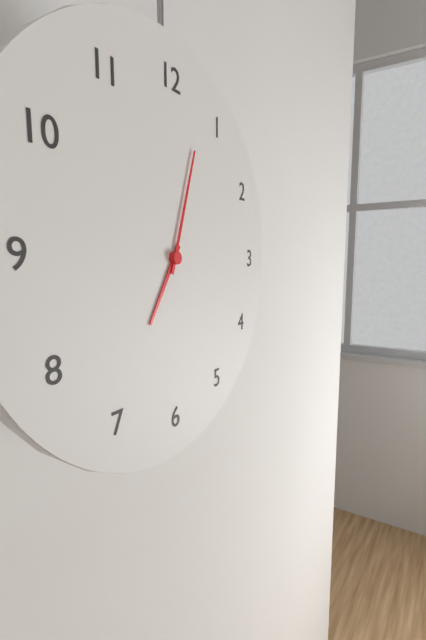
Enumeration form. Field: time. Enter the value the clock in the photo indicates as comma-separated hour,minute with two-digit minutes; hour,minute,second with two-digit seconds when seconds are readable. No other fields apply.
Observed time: 7,03
